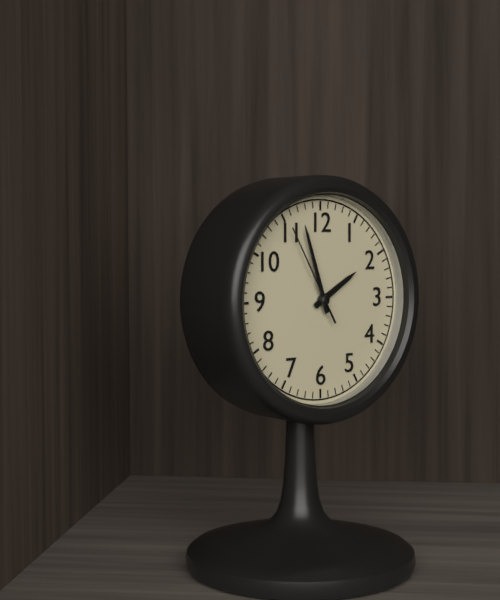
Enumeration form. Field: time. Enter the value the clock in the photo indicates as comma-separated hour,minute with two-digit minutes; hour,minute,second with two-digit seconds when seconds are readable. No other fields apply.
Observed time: 1,57,55
